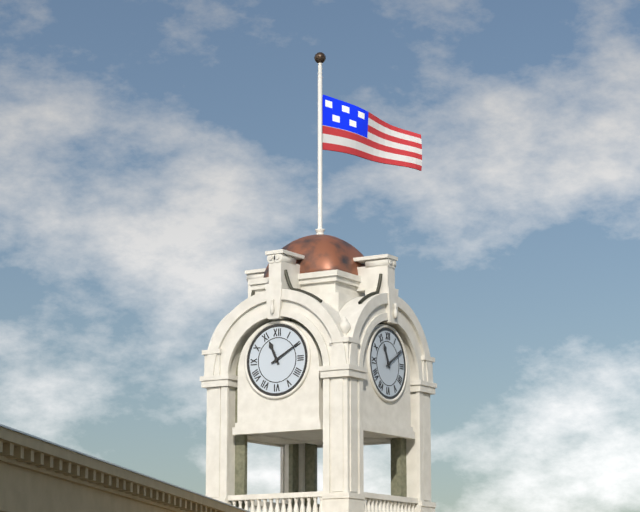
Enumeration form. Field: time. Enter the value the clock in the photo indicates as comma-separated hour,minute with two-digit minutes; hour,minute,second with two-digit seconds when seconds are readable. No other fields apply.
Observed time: 11,10
